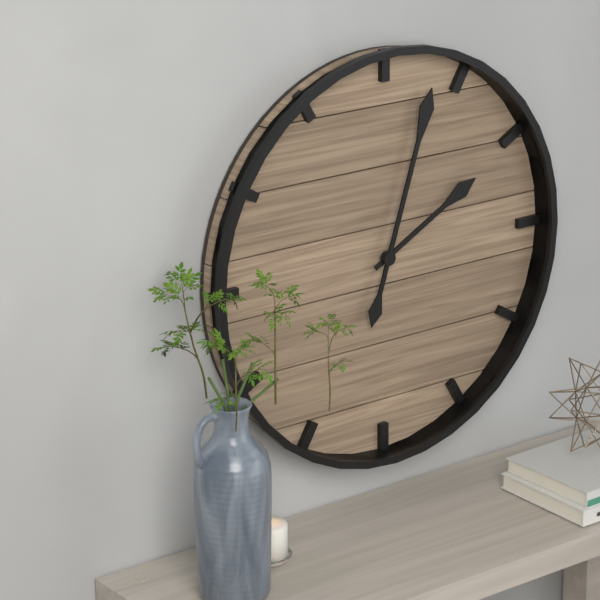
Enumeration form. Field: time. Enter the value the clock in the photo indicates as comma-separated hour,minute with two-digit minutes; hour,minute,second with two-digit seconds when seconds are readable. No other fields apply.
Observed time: 2,03
